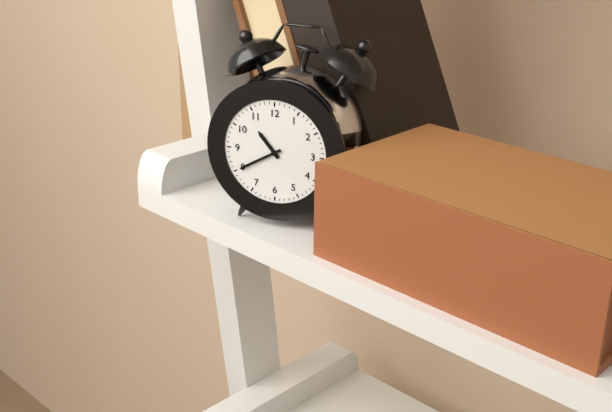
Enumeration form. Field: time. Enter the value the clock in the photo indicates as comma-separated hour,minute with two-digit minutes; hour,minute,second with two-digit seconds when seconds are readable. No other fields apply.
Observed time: 10,40
